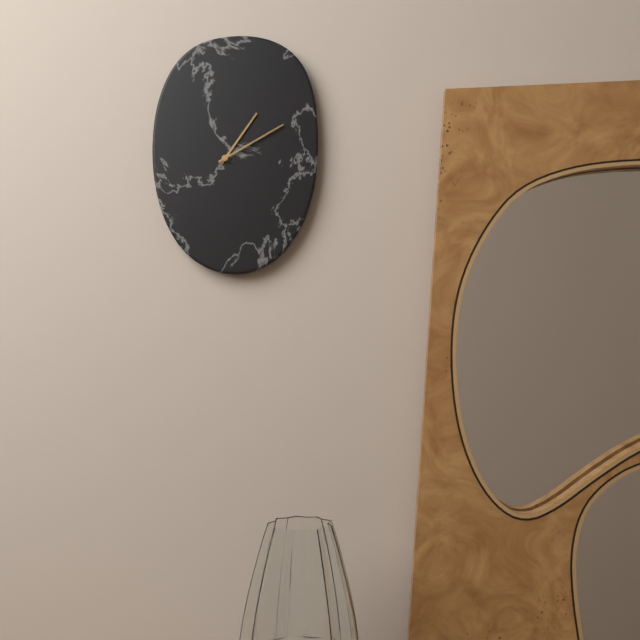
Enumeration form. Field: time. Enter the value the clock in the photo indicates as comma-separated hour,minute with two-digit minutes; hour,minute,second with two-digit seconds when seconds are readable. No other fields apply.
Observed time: 1,10
